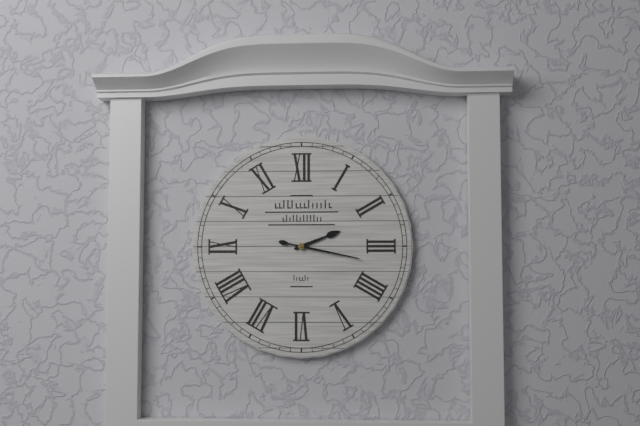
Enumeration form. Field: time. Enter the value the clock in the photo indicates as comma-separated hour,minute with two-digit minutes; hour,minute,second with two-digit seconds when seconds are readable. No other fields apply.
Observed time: 2,17
